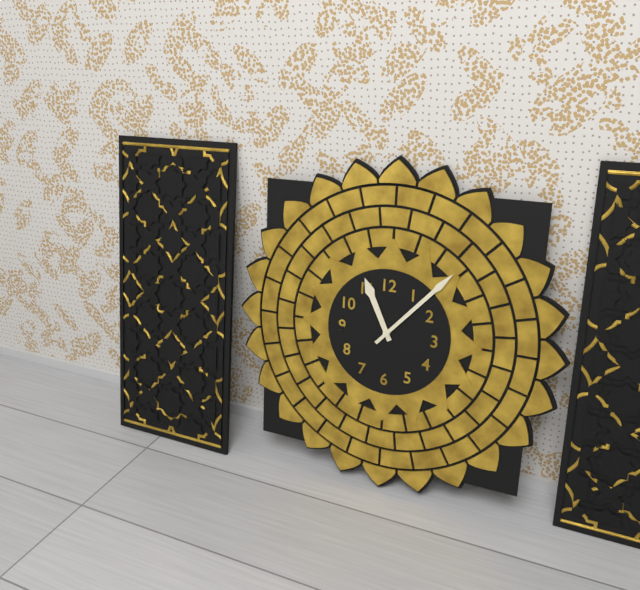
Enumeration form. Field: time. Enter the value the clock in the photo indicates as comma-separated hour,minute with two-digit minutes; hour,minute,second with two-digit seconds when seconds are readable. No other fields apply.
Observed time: 11,07
